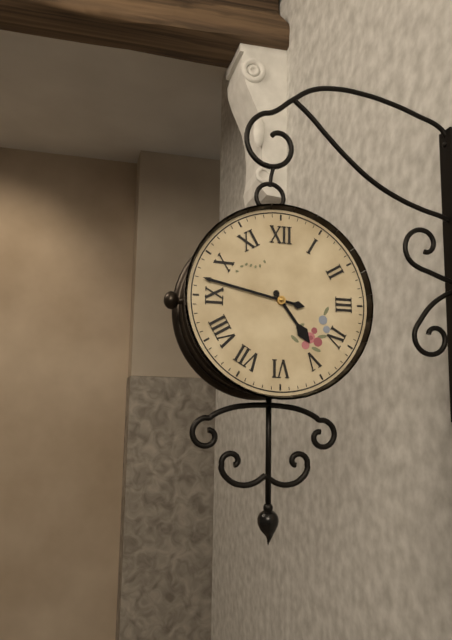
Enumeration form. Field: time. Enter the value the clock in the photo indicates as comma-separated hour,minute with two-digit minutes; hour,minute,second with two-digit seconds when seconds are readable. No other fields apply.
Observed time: 4,47
